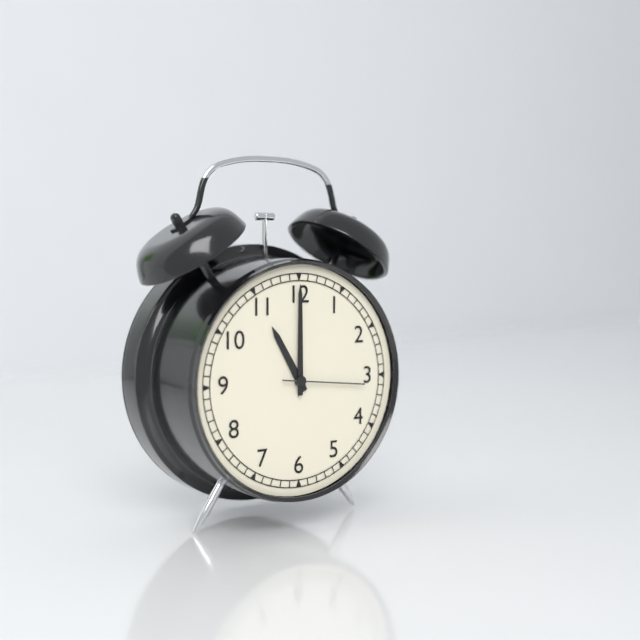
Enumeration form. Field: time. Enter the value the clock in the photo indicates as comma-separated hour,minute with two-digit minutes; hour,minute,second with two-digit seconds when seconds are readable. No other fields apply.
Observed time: 11,00,16
